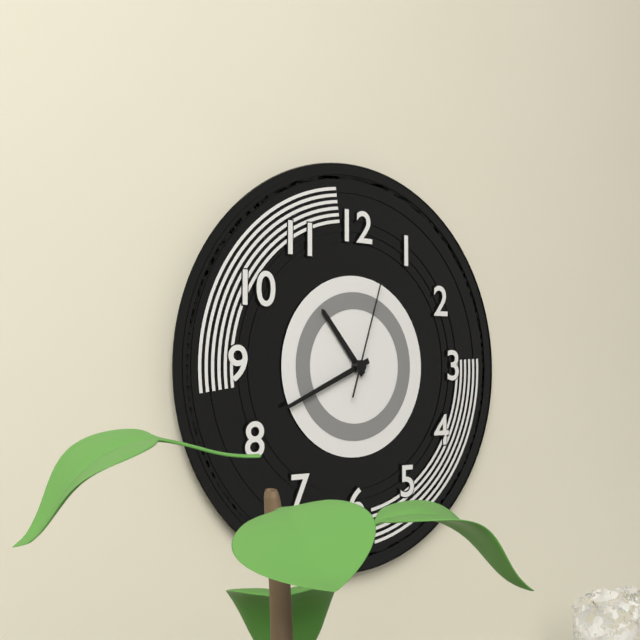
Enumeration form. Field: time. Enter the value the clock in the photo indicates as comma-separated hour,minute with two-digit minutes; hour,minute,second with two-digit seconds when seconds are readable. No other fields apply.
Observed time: 10,41,03
